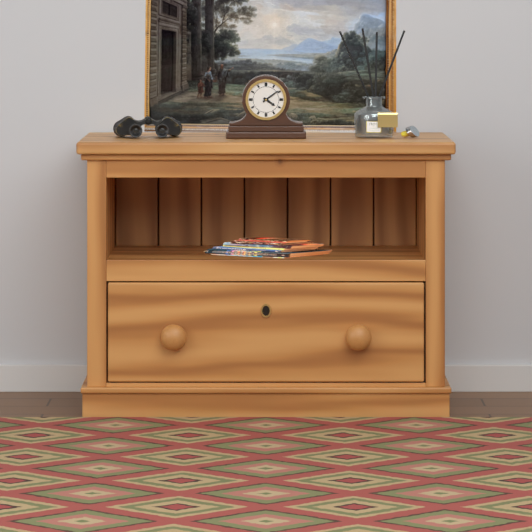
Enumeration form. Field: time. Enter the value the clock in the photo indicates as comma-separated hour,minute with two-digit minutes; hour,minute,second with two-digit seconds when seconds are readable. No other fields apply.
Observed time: 4,09
